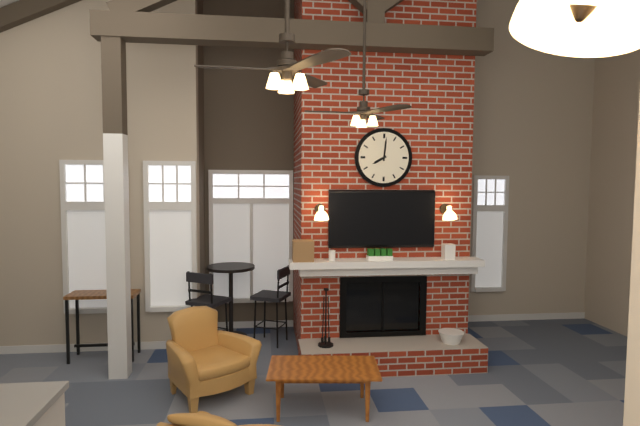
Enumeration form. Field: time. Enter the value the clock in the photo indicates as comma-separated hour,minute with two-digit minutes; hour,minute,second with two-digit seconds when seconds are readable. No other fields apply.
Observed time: 8,01
